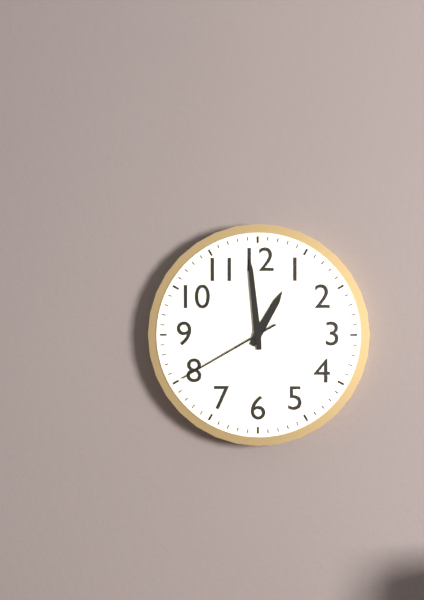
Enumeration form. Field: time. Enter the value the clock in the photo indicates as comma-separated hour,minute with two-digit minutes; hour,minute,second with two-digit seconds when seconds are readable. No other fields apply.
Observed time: 12,59,40
